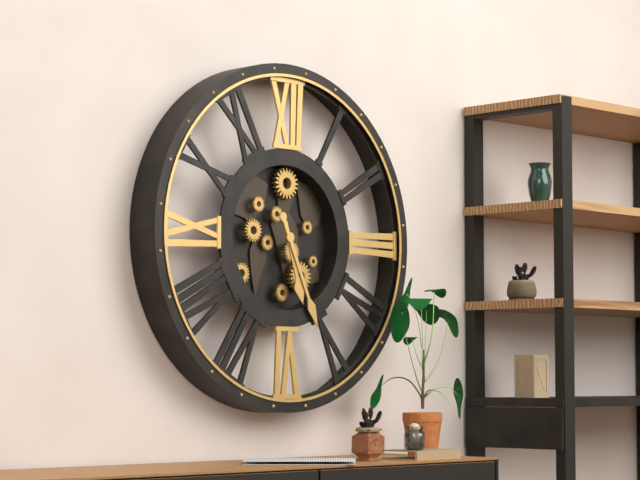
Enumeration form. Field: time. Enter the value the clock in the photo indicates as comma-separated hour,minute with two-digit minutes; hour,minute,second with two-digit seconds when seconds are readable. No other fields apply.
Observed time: 5,26
